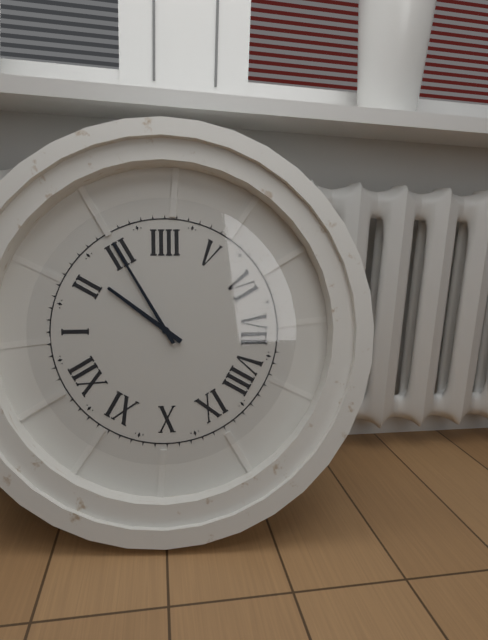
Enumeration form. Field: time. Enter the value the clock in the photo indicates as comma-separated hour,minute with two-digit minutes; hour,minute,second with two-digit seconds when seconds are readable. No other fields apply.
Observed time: 2,15
